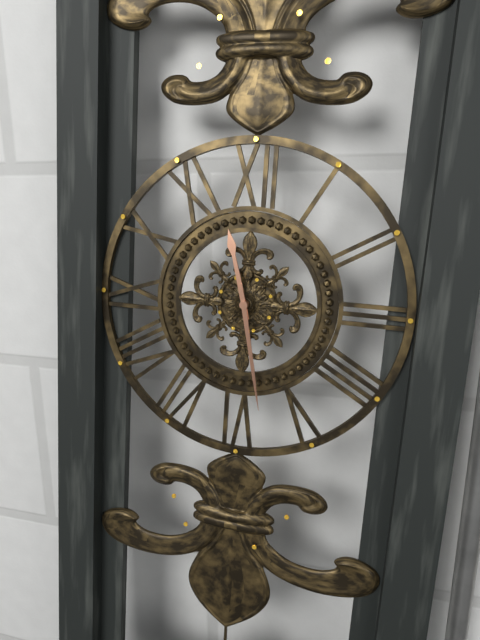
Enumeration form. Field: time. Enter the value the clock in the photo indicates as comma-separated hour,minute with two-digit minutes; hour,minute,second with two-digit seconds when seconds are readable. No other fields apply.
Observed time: 11,28
